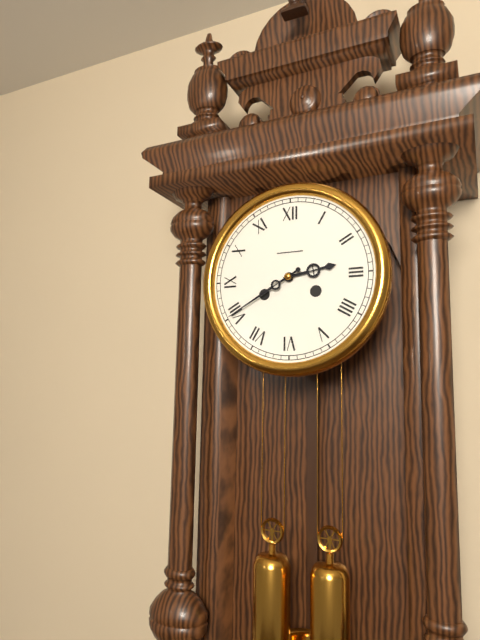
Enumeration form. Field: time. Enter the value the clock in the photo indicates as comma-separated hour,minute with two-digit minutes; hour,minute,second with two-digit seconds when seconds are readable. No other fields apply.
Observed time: 2,40
